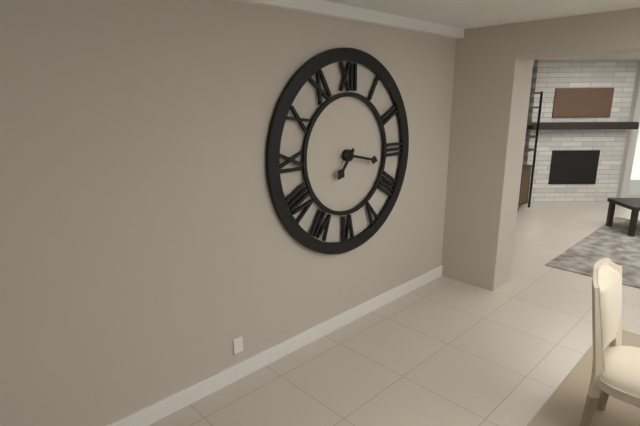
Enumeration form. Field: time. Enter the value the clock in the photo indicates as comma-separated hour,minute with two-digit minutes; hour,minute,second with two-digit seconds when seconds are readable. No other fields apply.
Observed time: 7,17
